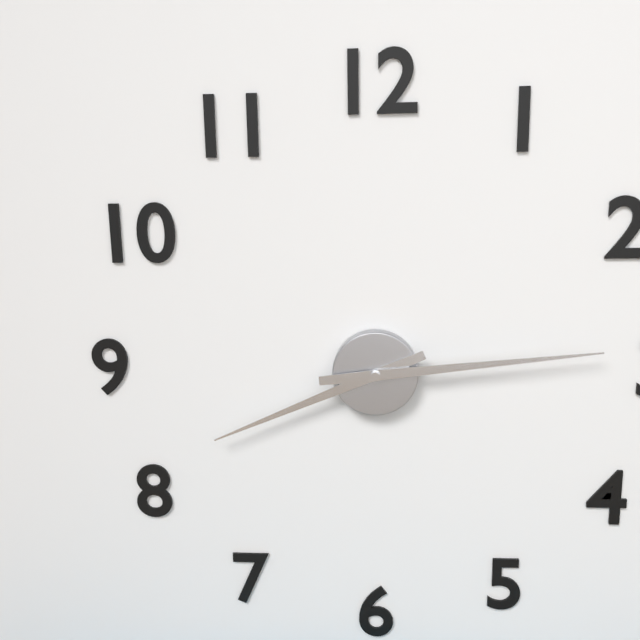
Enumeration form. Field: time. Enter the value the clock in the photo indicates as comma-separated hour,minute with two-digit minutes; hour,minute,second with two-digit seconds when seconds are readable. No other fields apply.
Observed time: 8,14
